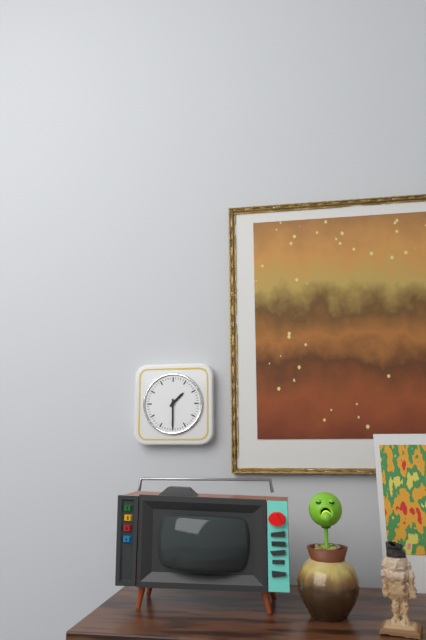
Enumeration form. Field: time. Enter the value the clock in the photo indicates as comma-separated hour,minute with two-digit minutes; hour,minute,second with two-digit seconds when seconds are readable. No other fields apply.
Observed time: 1,30
